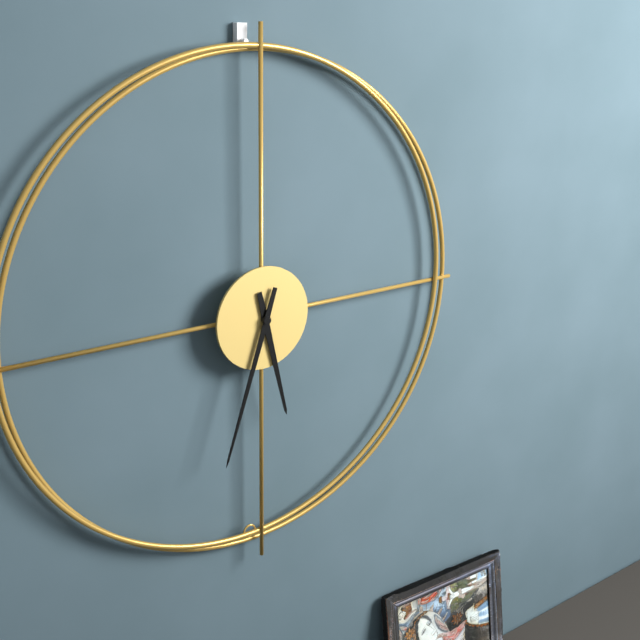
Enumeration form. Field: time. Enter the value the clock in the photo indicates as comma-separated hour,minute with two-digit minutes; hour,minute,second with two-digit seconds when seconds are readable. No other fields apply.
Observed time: 5,33
